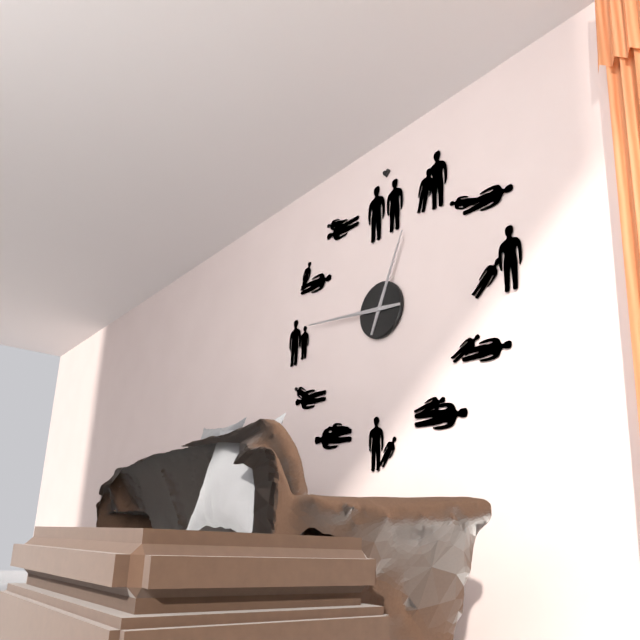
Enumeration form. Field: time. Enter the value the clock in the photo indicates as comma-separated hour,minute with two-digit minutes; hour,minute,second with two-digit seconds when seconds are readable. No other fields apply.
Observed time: 12,46
